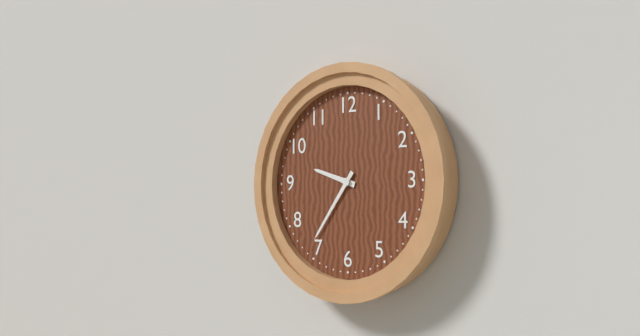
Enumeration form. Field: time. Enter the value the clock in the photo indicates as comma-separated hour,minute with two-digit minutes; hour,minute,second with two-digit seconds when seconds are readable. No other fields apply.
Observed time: 9,36
